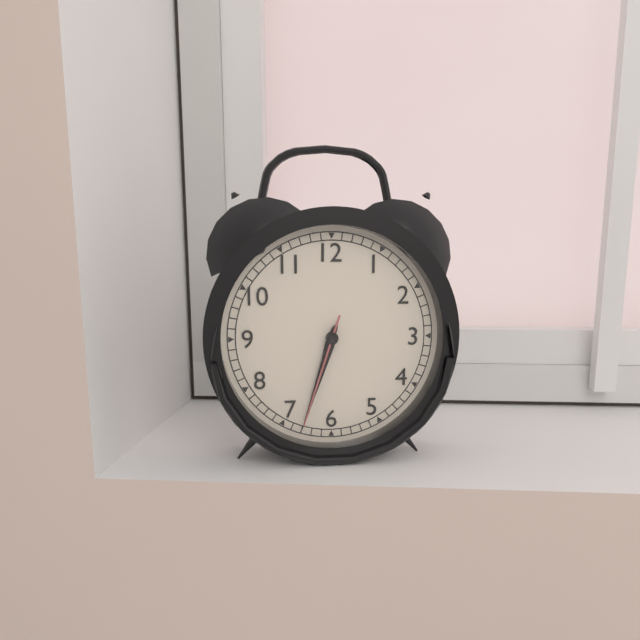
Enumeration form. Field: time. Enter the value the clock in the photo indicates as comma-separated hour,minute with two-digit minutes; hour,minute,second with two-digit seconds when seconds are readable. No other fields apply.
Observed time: 6,33,33
